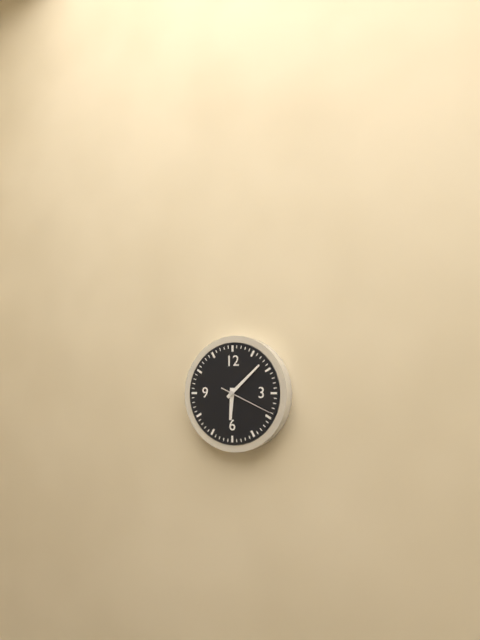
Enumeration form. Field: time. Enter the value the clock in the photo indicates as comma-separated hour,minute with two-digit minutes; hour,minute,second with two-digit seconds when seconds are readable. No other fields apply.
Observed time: 6,08,19
